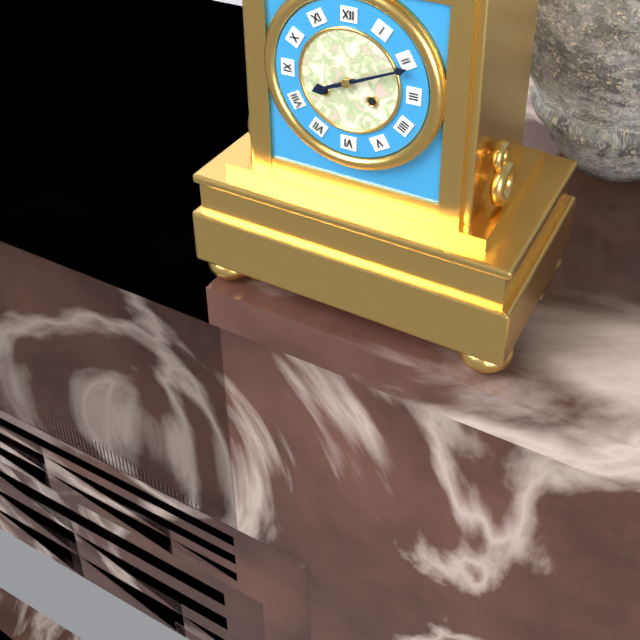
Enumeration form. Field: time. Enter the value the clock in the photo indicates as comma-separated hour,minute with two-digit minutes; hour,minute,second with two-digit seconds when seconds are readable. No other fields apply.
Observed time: 8,11
